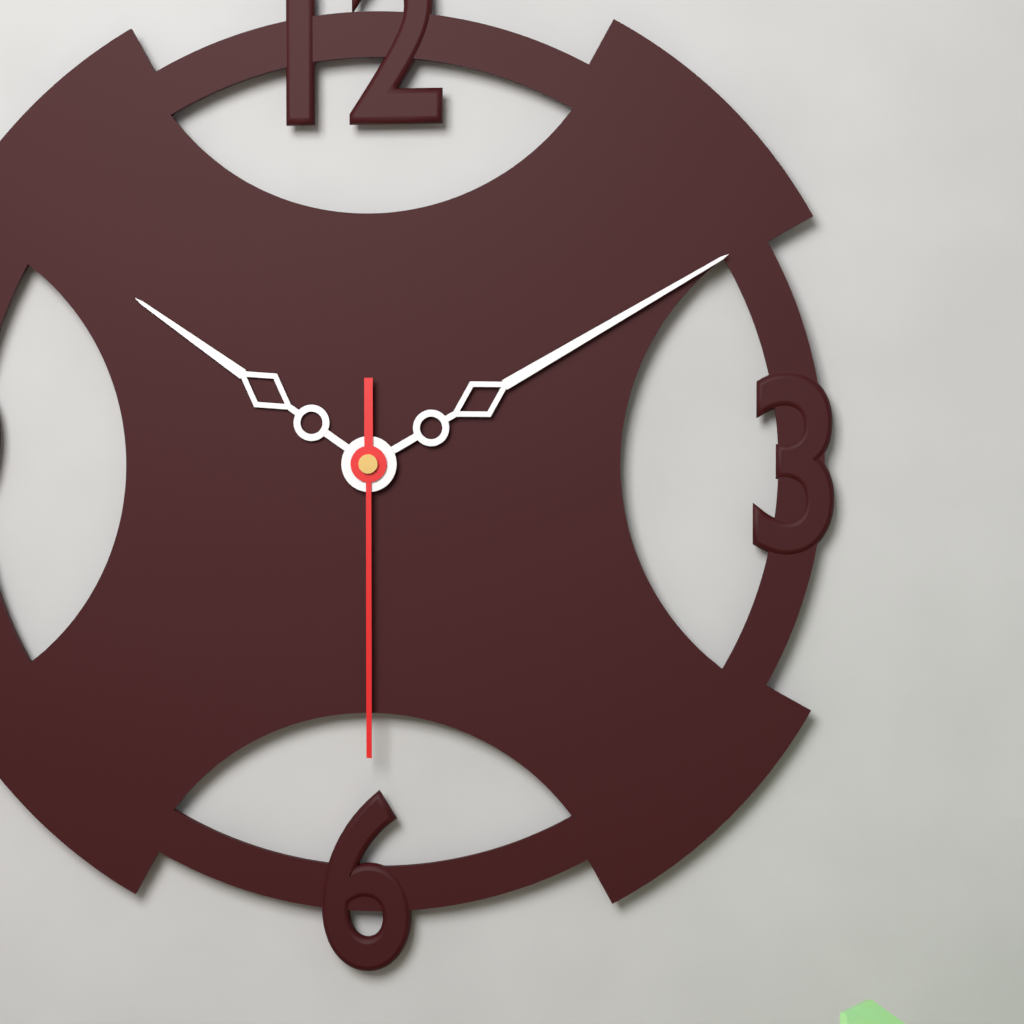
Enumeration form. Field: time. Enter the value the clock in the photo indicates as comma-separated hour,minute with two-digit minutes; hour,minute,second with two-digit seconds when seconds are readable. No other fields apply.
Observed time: 10,10,30
